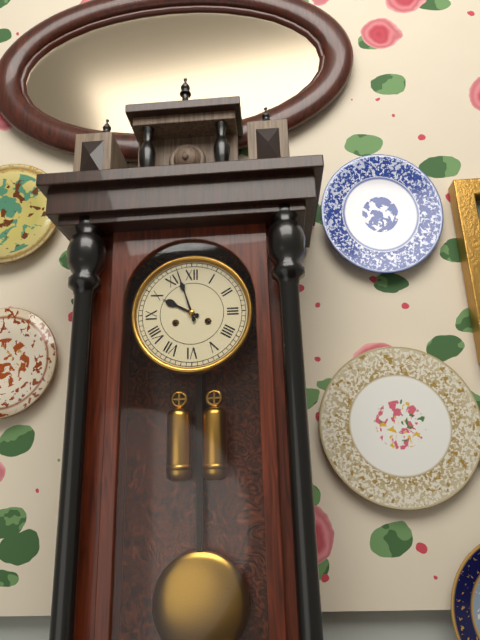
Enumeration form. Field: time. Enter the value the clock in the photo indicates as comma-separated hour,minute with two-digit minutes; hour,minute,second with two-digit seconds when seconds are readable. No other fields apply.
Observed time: 9,57
